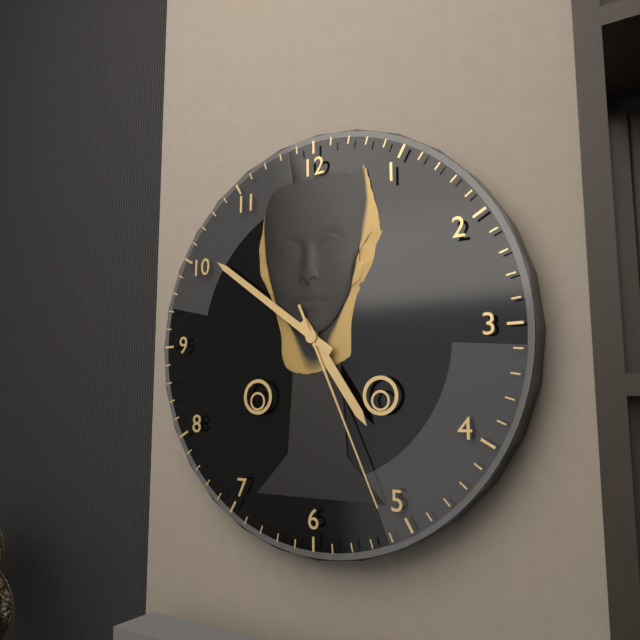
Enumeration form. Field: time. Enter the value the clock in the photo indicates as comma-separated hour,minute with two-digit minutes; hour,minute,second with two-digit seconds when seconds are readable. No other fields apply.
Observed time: 4,51,26
